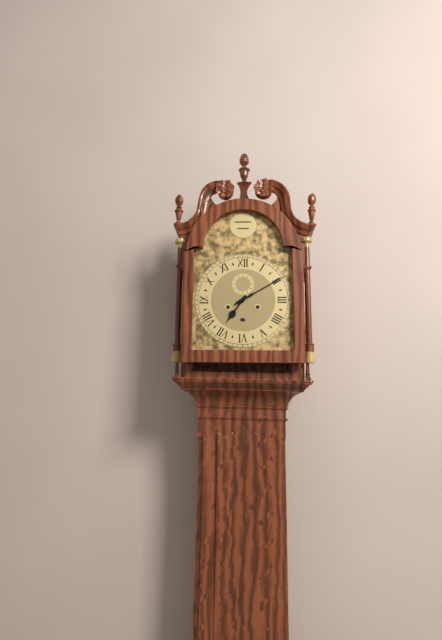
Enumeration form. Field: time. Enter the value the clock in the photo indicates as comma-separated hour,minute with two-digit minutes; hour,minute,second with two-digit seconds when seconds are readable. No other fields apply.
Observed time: 7,10
